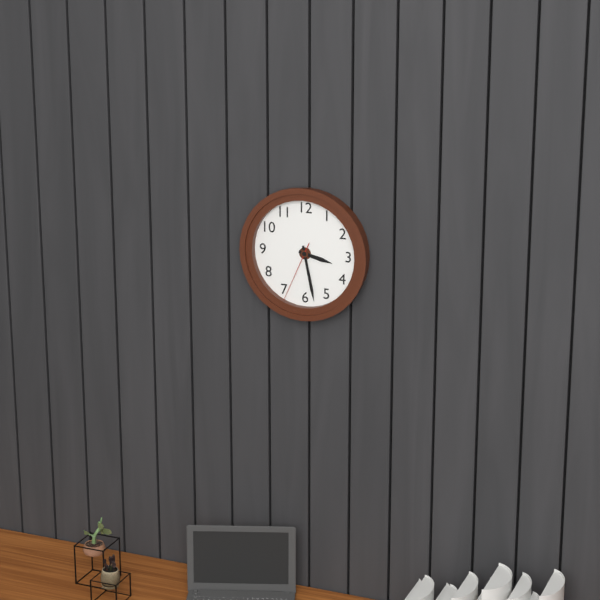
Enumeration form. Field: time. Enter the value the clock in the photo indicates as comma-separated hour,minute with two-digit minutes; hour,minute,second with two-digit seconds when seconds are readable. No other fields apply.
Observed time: 3,28,34
